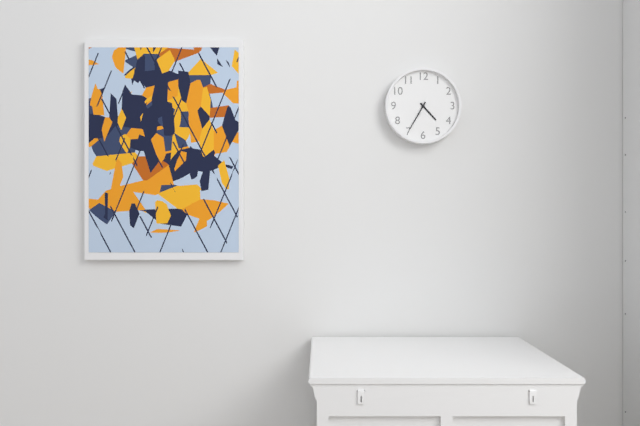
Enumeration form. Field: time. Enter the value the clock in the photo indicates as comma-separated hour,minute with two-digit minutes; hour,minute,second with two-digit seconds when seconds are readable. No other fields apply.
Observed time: 4,35
